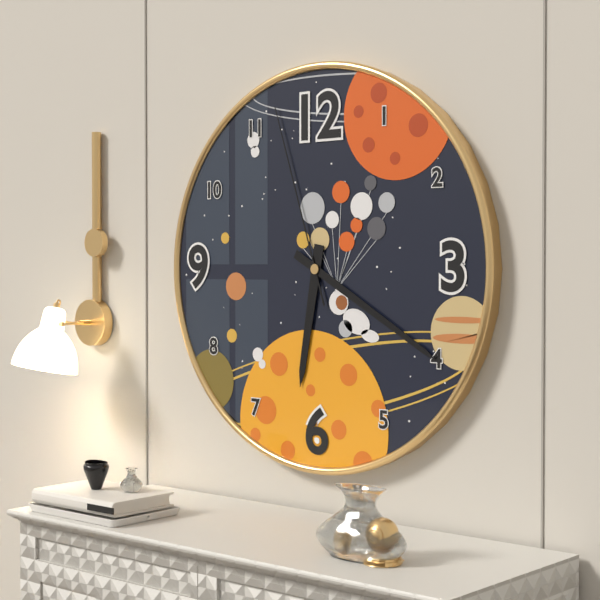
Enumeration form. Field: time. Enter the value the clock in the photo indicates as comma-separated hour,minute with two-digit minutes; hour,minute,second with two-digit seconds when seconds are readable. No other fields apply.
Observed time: 6,20,57
